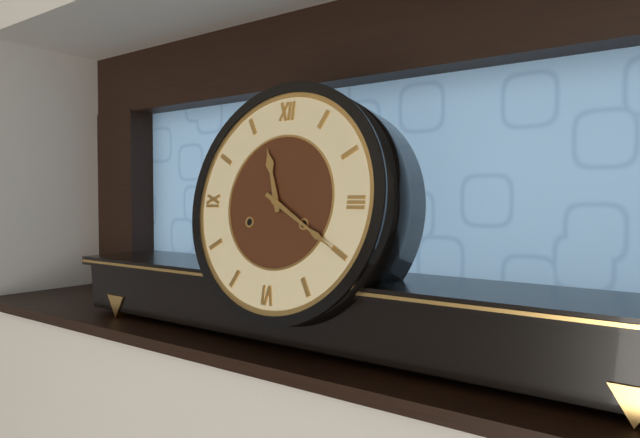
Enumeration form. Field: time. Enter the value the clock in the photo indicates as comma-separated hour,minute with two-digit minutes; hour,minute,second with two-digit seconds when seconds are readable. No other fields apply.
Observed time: 11,20
